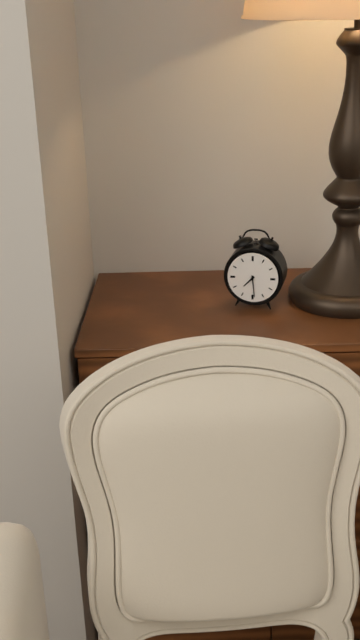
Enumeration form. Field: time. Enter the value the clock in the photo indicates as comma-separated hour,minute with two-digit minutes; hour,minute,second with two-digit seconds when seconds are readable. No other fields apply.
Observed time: 7,29
